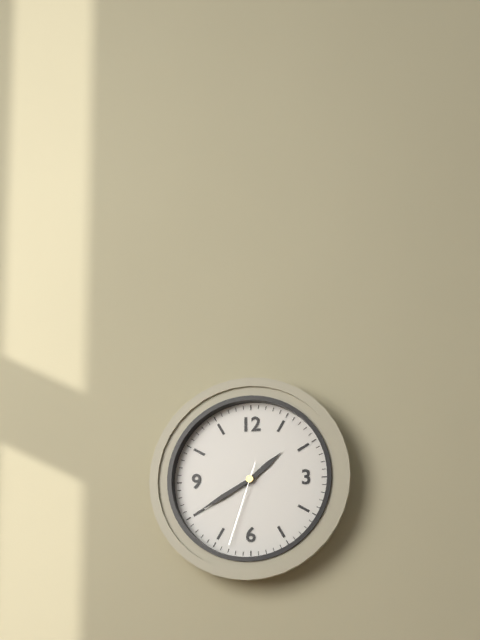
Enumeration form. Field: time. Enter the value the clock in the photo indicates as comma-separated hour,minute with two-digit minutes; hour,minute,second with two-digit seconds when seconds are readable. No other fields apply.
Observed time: 1,40,33
